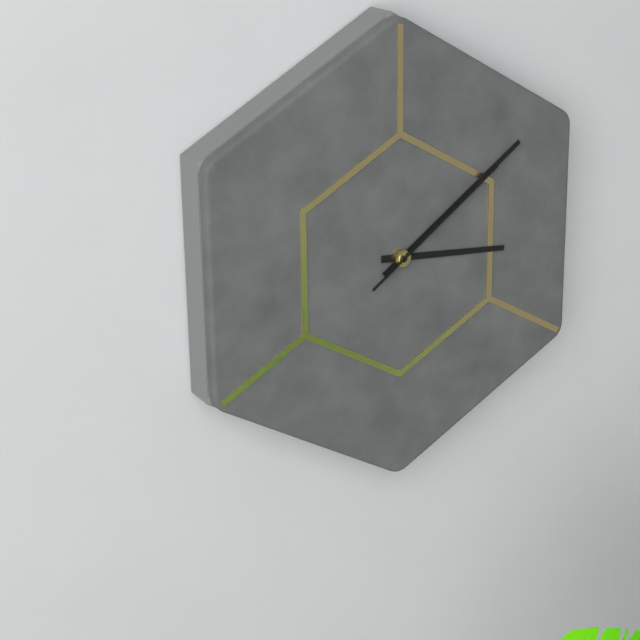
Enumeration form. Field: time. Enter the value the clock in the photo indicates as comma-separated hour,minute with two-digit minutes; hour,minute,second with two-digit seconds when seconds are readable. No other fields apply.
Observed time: 3,09,09
